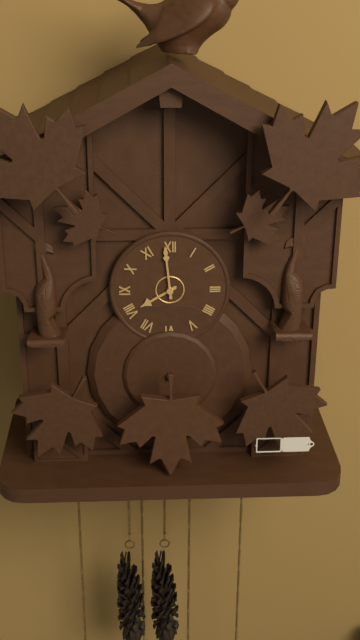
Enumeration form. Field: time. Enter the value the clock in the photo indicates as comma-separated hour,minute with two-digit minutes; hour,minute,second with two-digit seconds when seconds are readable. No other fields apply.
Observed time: 7,59
